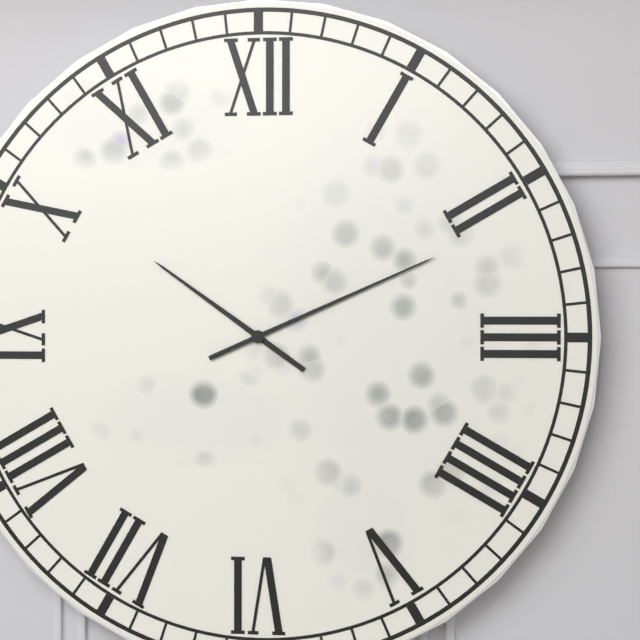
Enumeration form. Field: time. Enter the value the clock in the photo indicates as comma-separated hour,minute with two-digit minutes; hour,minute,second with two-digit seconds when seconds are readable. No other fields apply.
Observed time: 10,11
